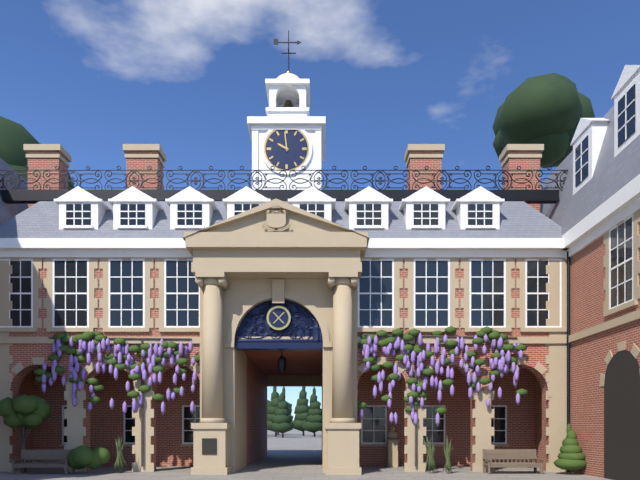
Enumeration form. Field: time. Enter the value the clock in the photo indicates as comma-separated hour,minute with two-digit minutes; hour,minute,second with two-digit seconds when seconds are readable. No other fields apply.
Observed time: 9,59
